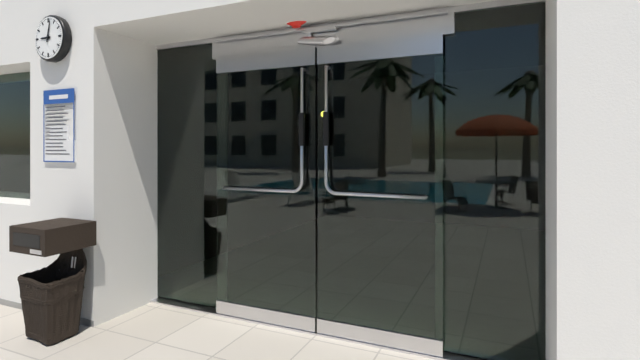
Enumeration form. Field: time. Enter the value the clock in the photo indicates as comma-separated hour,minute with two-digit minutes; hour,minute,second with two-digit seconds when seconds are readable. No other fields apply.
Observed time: 9,02
